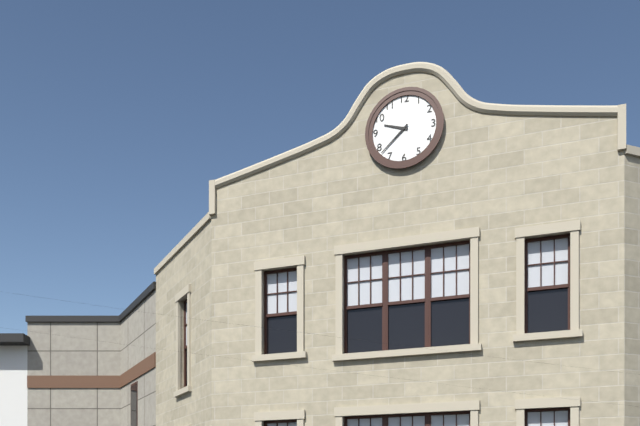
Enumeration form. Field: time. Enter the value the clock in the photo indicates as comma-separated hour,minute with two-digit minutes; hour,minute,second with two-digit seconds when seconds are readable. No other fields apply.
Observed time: 9,38
